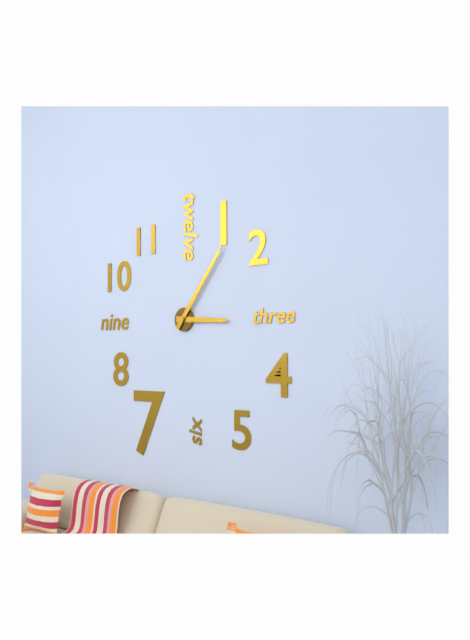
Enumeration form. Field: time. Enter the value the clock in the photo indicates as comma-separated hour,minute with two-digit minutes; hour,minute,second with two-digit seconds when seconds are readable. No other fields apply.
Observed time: 3,06
